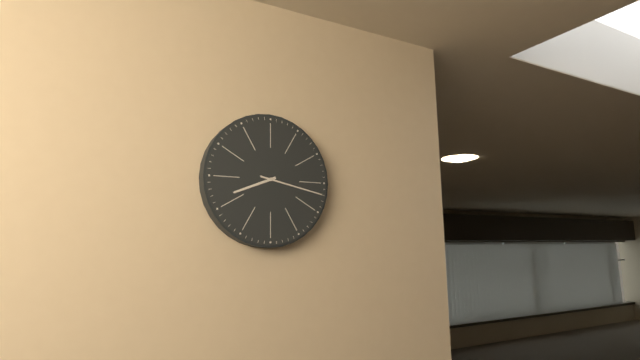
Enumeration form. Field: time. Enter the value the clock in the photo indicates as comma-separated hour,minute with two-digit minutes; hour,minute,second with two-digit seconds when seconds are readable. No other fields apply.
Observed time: 8,17
